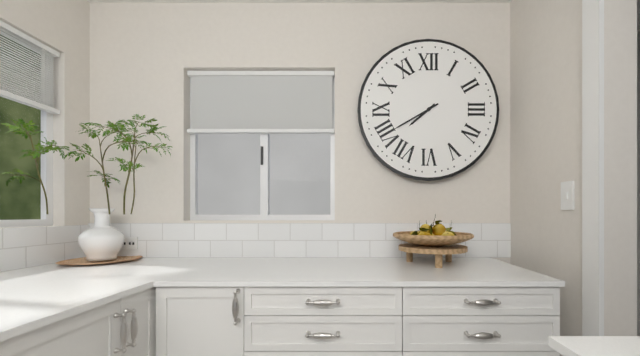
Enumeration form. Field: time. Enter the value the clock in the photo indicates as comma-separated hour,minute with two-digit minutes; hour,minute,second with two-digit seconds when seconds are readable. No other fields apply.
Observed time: 7,40
